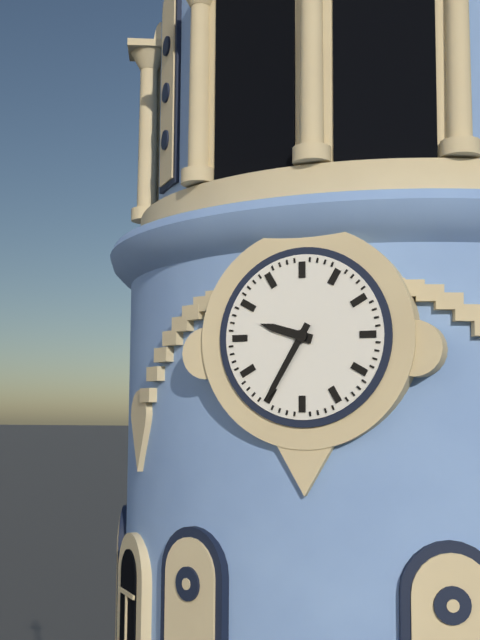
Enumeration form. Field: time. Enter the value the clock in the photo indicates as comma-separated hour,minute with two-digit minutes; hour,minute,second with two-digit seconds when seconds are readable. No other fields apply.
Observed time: 9,35
